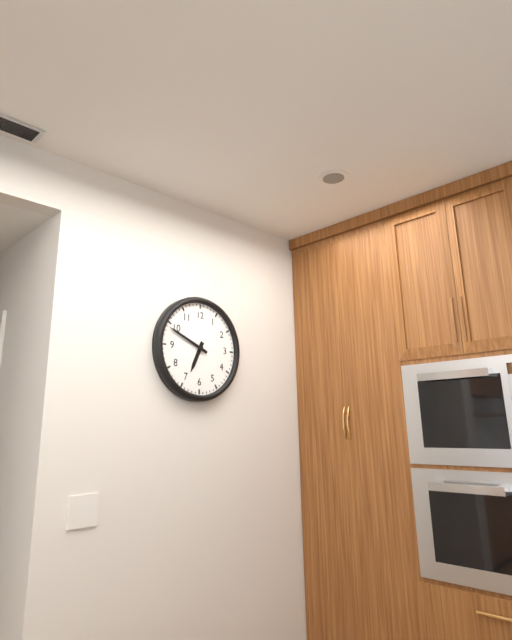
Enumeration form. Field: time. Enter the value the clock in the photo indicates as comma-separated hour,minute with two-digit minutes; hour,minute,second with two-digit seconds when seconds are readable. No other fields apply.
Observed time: 6,49
